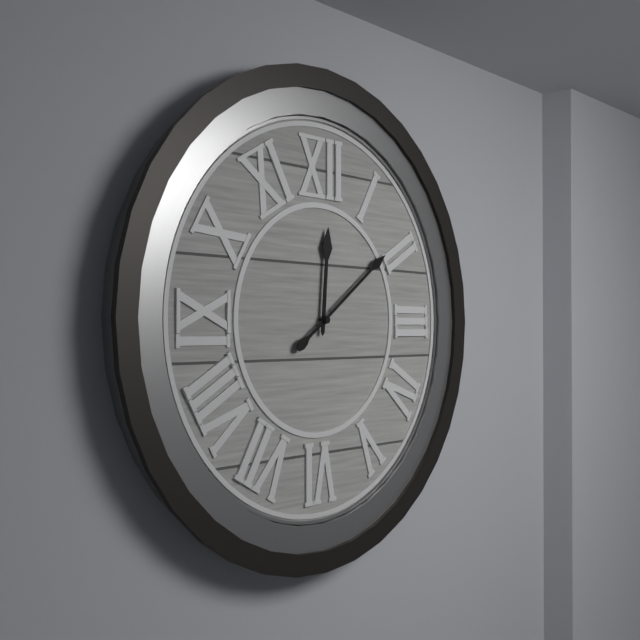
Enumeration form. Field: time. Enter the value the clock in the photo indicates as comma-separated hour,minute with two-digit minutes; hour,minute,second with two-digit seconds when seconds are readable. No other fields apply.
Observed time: 12,09
